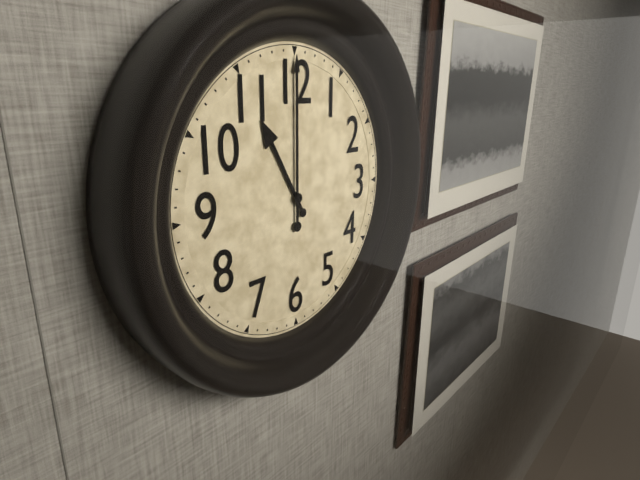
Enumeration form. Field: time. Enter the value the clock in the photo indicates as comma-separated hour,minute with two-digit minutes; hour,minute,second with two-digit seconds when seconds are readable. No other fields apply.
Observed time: 11,00
